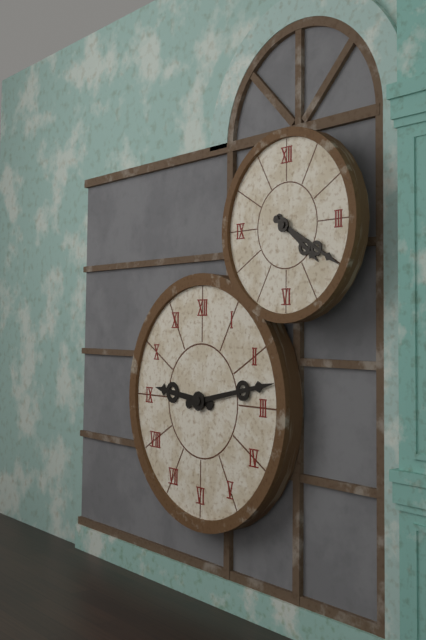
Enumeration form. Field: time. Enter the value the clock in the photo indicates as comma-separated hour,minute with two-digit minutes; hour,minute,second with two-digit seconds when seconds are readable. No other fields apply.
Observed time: 4,20
